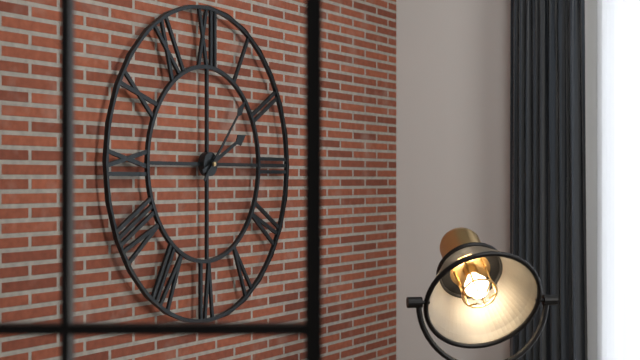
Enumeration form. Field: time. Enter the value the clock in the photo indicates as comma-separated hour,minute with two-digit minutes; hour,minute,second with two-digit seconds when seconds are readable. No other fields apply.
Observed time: 2,07
